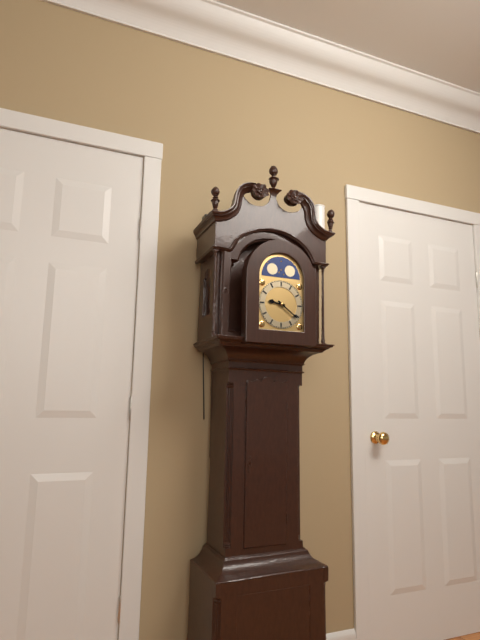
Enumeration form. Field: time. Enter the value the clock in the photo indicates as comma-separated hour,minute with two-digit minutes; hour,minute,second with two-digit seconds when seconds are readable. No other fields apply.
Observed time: 9,21
